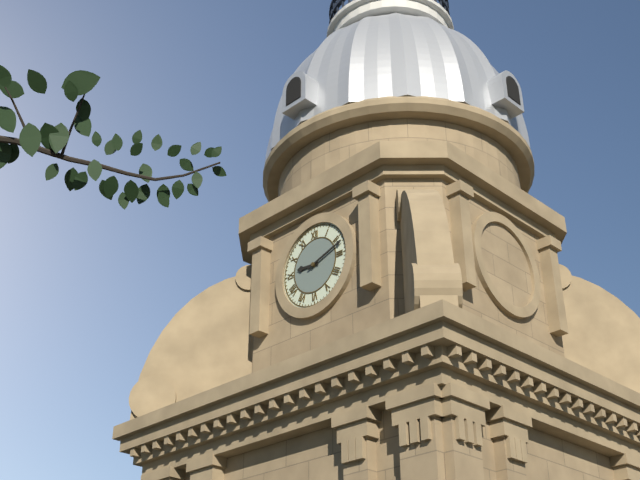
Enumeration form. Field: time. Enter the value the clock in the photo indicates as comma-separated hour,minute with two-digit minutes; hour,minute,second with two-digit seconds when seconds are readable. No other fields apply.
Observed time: 9,12
